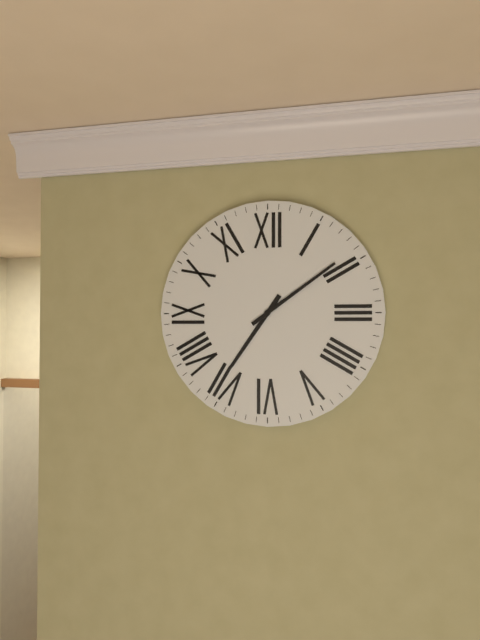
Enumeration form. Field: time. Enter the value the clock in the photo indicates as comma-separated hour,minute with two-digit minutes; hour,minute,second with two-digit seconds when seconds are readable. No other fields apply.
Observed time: 7,09
